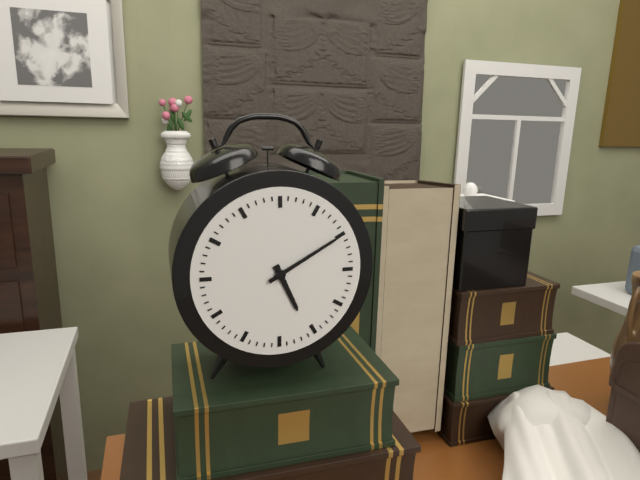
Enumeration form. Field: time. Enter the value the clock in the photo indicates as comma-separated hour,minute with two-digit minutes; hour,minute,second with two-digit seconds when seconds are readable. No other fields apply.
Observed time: 5,10
